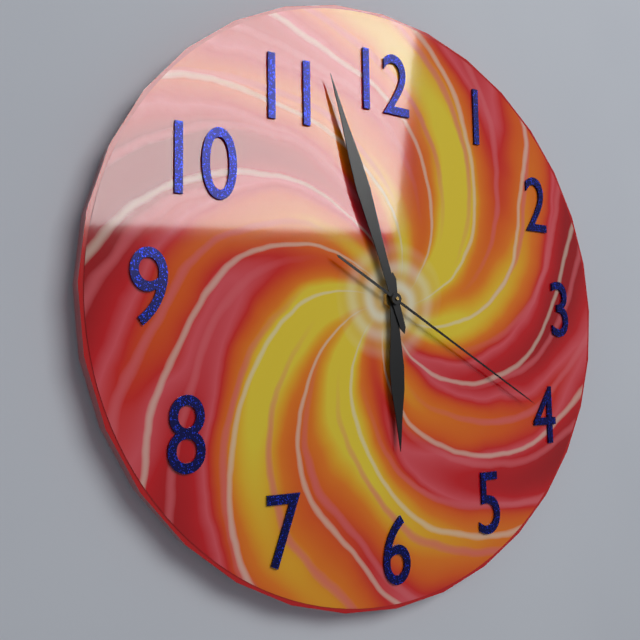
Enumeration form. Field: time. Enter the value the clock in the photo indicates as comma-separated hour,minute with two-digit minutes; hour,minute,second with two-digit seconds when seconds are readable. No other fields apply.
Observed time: 5,57,20
